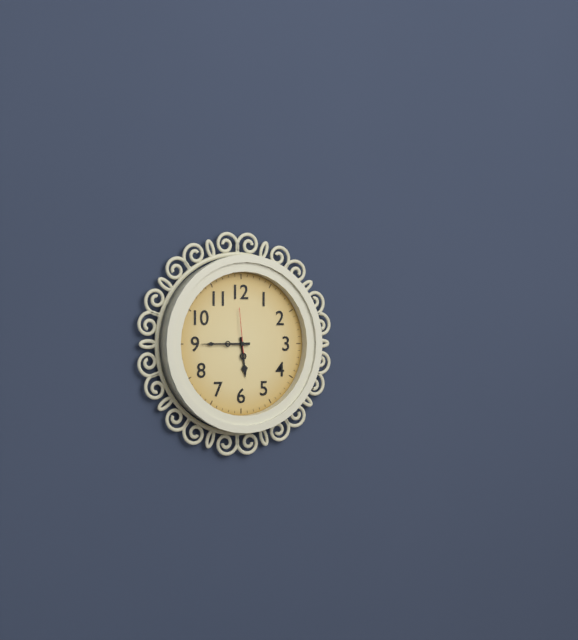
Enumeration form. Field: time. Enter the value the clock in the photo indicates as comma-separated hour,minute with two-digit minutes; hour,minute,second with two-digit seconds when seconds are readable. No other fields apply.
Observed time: 5,45
